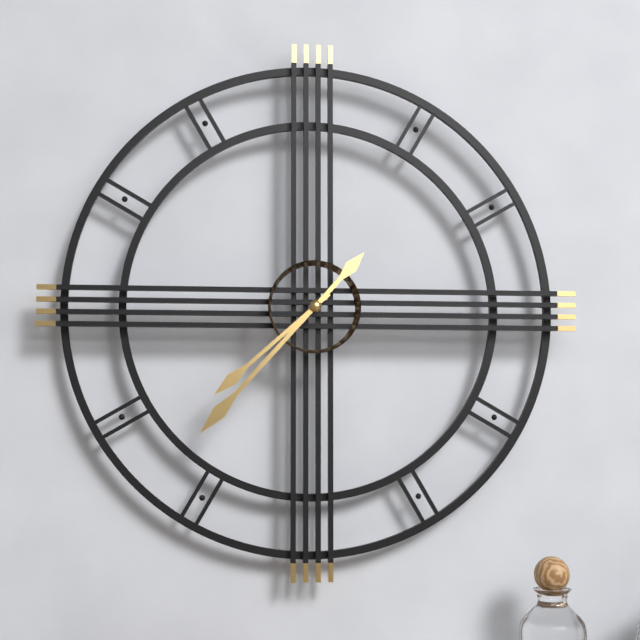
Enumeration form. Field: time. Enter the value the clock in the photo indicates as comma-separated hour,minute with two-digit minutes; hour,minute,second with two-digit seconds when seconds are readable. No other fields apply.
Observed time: 7,37
